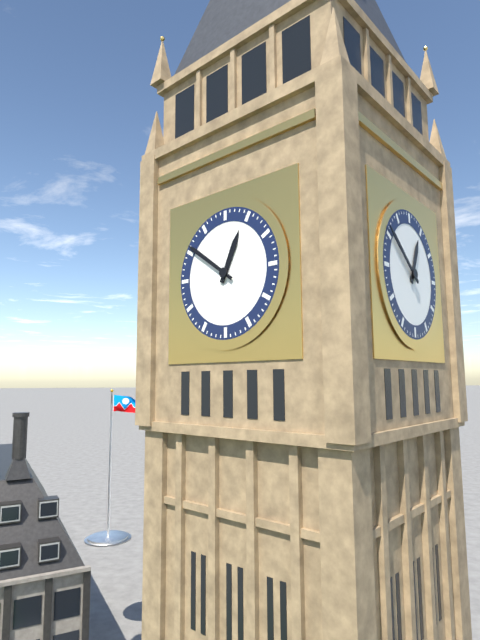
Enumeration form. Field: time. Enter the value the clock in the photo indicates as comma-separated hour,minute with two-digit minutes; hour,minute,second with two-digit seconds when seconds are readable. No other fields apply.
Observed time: 12,51
